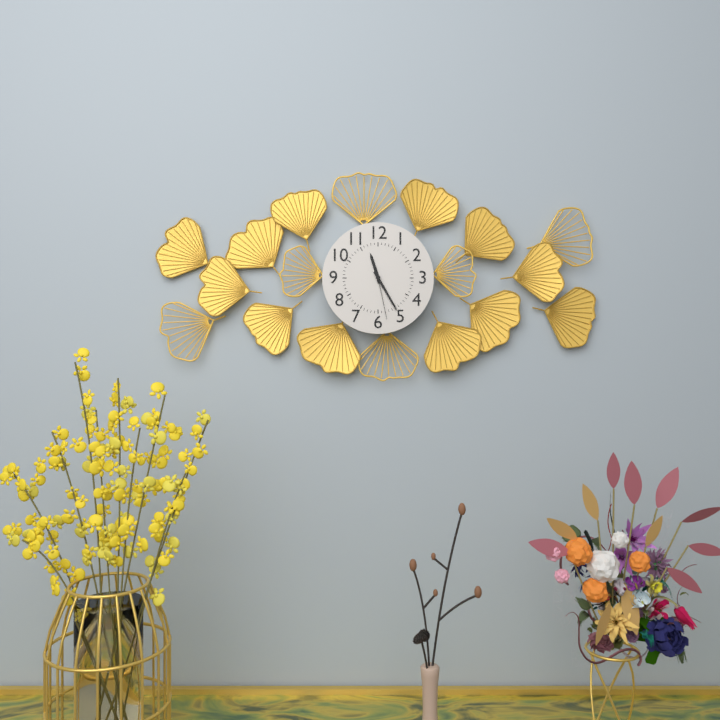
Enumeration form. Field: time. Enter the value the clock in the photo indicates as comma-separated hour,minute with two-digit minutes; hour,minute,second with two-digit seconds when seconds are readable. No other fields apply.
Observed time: 11,25,28
